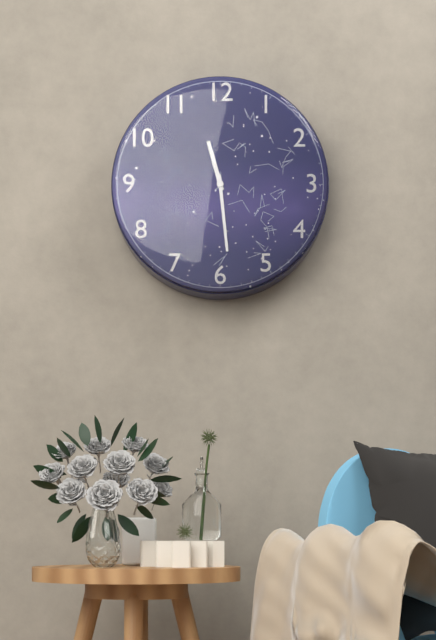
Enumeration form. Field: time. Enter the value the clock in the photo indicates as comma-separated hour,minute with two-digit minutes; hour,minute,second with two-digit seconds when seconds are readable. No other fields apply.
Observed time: 11,29
